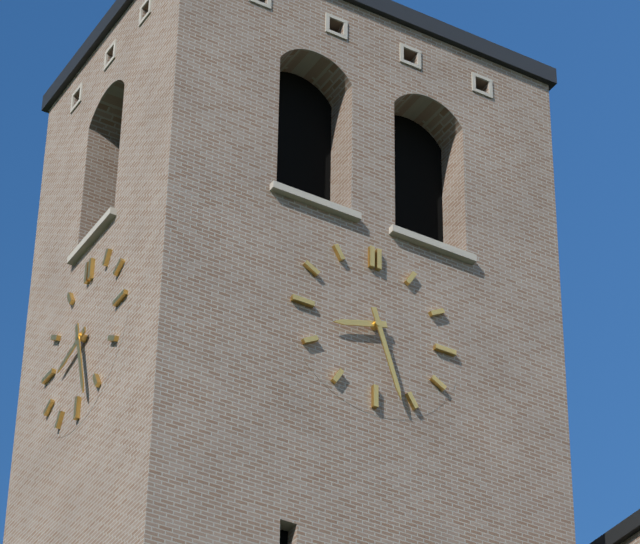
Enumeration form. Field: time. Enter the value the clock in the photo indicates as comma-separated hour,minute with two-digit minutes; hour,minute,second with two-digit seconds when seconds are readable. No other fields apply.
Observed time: 8,27
